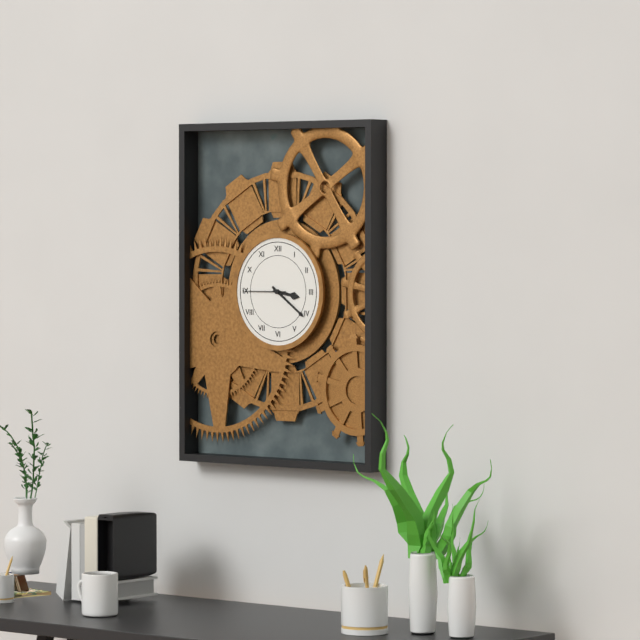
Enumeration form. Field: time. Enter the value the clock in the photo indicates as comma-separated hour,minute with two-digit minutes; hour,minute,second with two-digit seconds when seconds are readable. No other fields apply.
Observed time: 3,21
